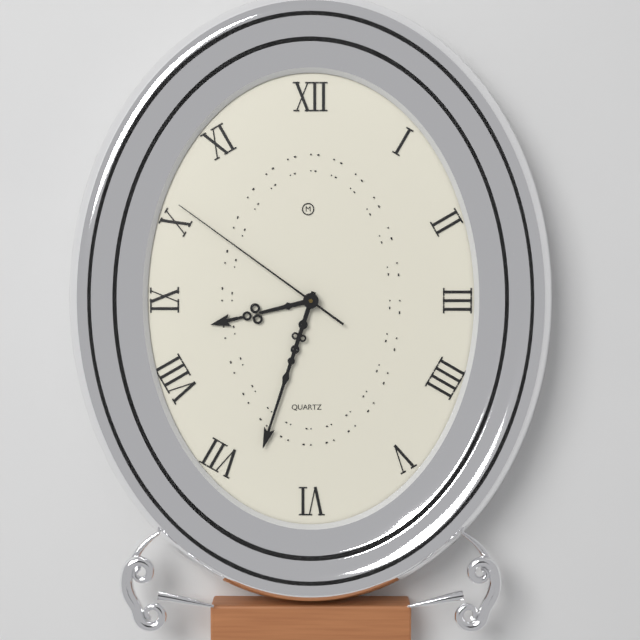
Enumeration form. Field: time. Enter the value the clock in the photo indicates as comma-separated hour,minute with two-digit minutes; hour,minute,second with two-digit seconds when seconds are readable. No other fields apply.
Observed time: 8,33,51
